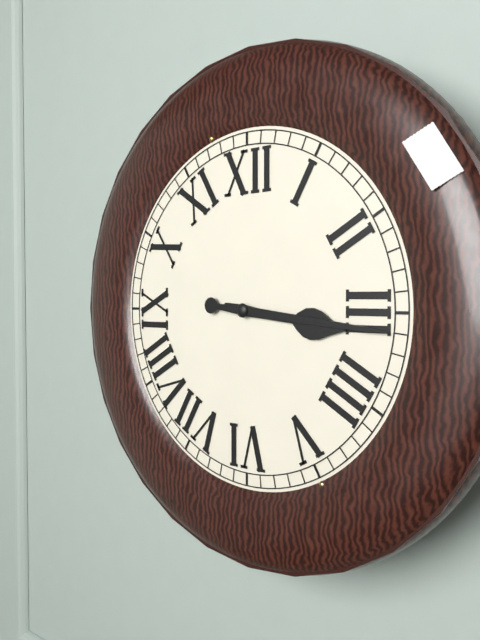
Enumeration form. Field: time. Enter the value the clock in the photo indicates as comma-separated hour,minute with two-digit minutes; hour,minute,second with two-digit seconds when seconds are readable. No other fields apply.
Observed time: 3,16
